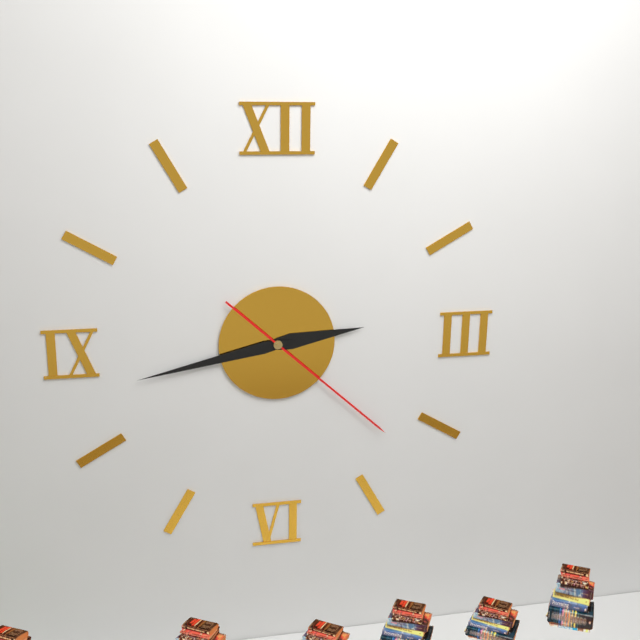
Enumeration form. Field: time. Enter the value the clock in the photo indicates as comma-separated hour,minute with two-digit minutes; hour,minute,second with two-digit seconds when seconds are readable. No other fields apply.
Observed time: 2,43,22
